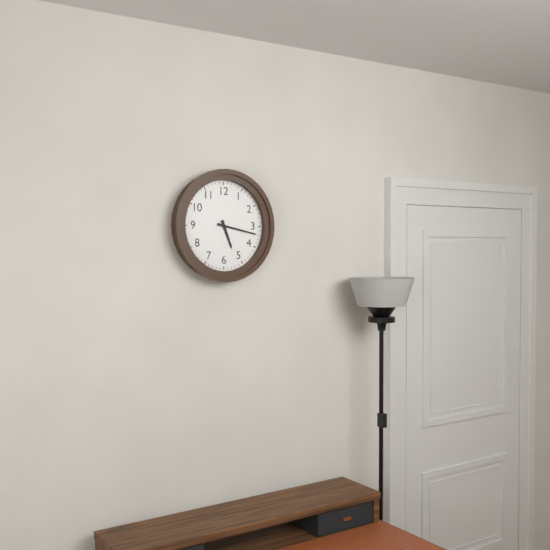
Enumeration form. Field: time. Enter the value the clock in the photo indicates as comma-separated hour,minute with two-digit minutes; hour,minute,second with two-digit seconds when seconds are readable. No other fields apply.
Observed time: 5,17
